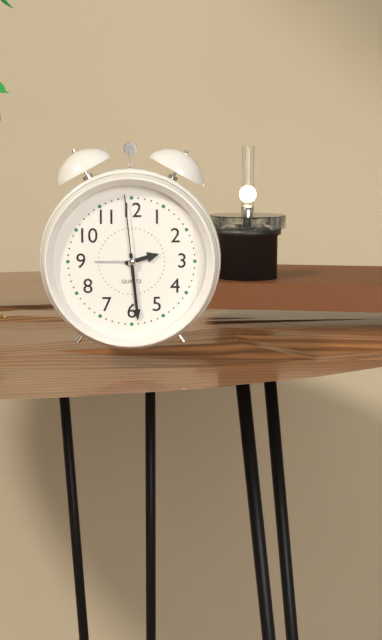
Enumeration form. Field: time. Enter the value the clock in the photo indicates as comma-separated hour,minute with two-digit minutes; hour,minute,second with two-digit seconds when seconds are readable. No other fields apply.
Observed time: 2,29,59
